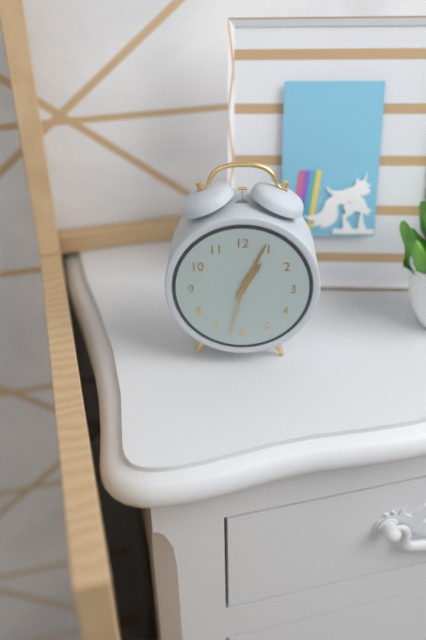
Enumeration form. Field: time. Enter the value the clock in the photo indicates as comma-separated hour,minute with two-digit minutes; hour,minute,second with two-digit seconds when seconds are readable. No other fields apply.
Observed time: 1,04,32
